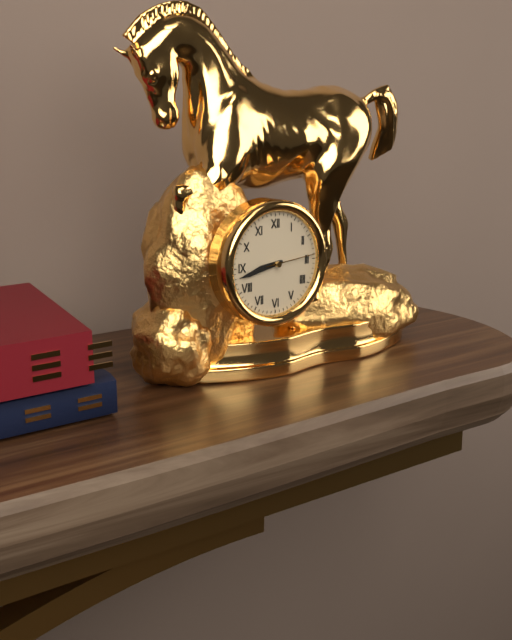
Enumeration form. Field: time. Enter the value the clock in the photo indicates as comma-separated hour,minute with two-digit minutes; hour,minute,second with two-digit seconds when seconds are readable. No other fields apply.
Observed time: 8,43,14
